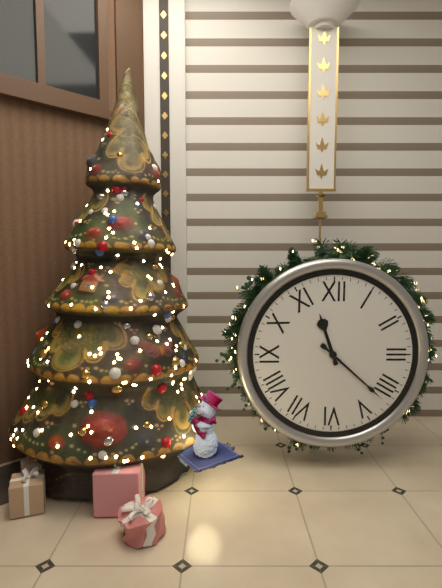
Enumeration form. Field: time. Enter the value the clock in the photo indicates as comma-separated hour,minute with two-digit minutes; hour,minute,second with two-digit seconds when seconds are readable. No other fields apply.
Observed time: 11,22
